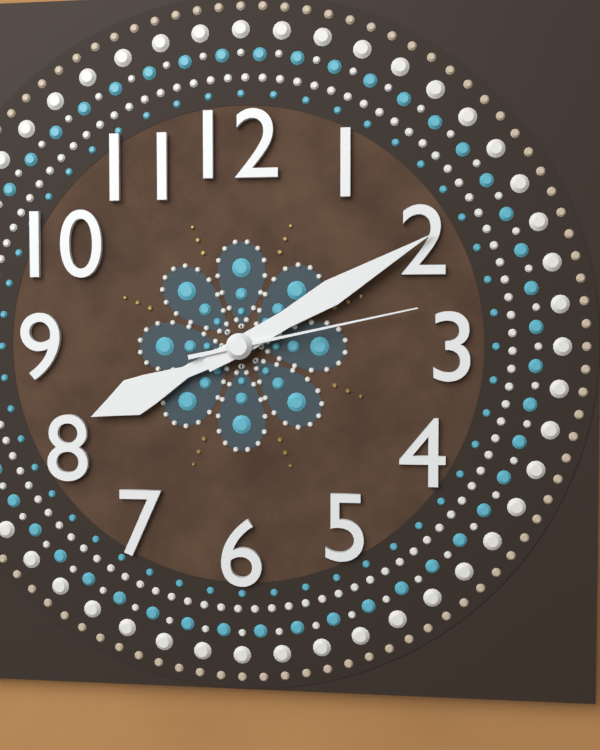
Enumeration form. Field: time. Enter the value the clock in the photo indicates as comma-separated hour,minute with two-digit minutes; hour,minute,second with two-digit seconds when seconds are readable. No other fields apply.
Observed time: 8,10,13
